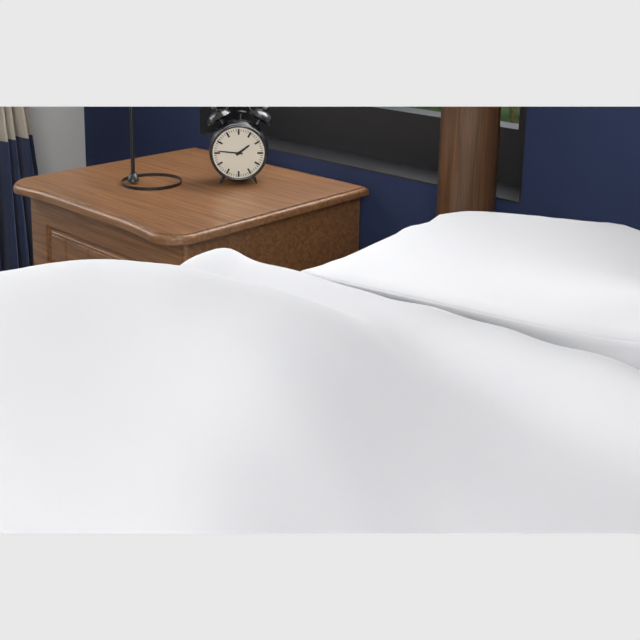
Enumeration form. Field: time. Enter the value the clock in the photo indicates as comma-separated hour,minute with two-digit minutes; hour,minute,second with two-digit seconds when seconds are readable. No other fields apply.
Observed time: 1,46
